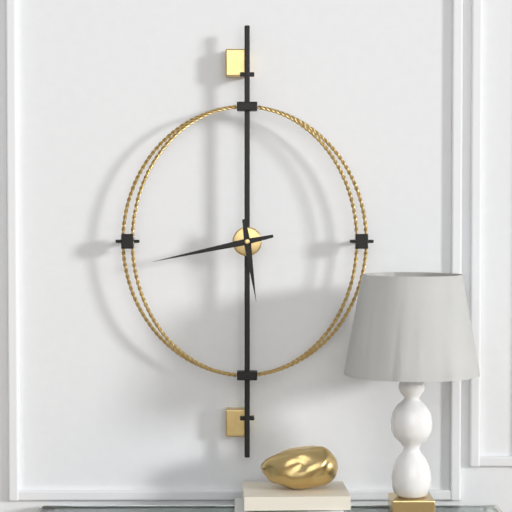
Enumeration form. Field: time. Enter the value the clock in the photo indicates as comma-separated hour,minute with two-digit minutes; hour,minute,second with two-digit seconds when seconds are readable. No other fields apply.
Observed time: 5,43
